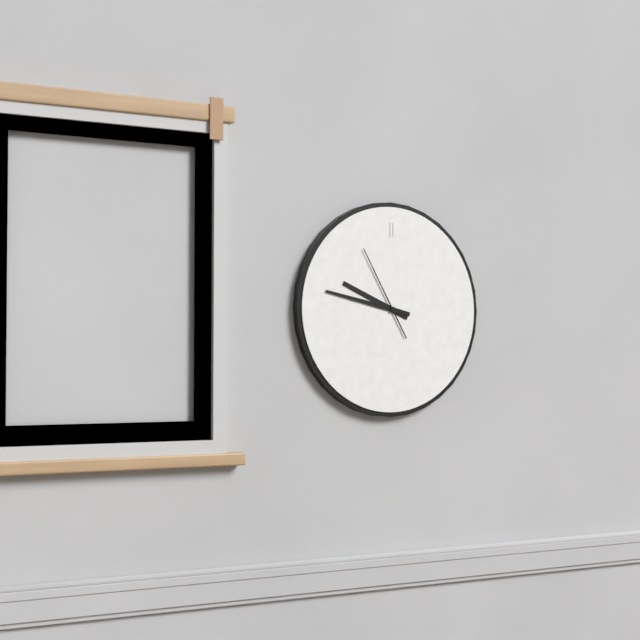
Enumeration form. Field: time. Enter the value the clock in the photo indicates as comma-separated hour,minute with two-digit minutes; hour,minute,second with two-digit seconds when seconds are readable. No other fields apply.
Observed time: 9,47,55
